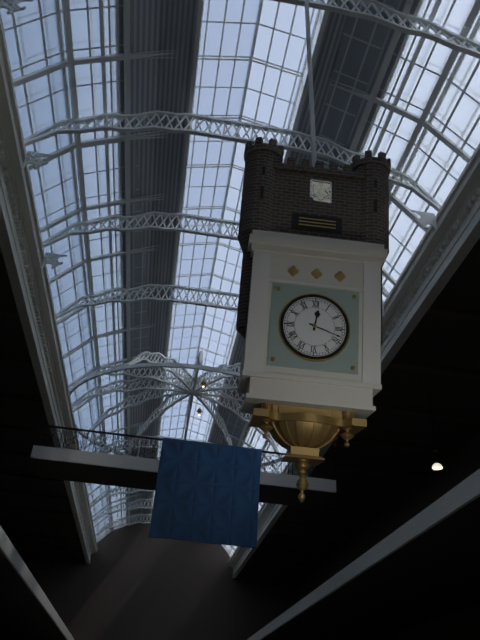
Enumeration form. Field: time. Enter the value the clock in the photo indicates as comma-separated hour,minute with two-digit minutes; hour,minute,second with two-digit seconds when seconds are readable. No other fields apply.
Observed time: 12,18
